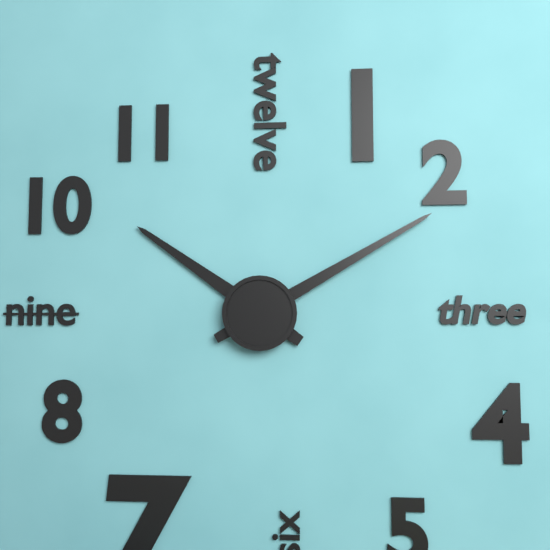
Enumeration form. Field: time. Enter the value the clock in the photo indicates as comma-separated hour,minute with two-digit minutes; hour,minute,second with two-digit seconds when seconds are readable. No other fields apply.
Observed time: 10,10
